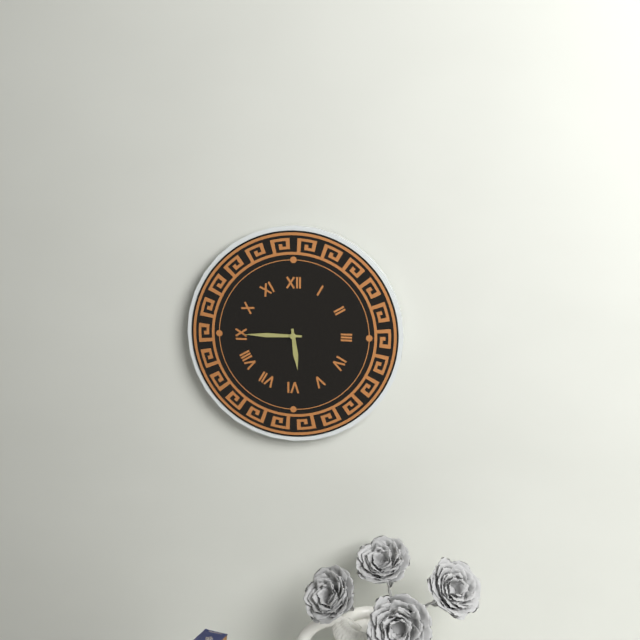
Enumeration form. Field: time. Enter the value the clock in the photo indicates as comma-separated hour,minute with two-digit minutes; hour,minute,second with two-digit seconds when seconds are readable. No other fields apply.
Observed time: 5,45
